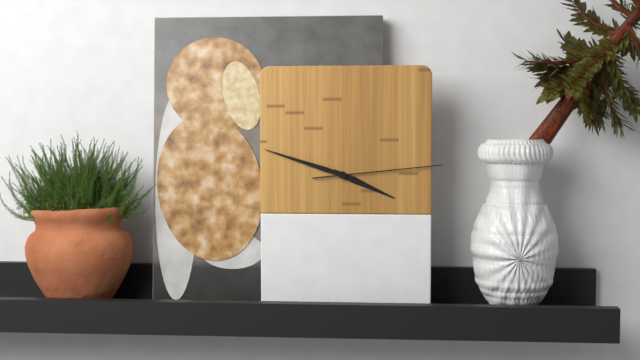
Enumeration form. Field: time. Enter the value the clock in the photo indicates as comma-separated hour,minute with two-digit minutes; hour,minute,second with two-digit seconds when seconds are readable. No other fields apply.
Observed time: 3,48,14
